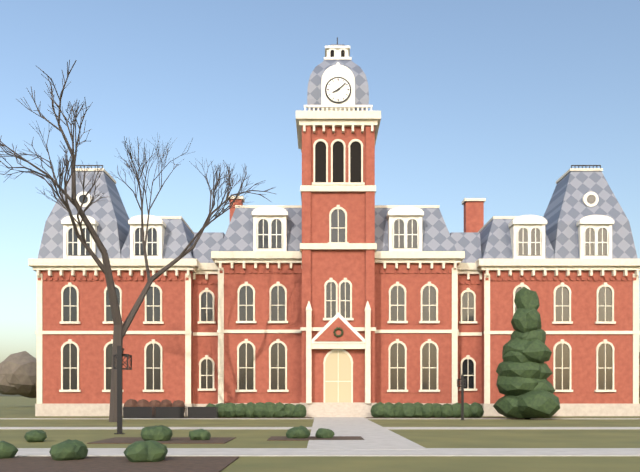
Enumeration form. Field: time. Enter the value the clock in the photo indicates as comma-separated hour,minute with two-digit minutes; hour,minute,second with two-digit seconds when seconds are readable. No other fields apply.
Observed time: 8,08
